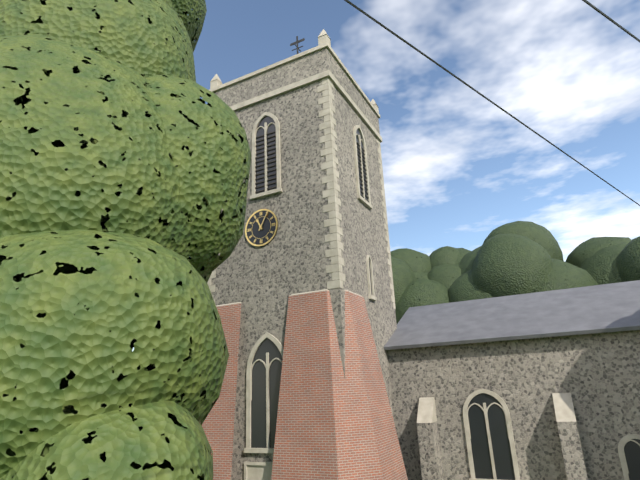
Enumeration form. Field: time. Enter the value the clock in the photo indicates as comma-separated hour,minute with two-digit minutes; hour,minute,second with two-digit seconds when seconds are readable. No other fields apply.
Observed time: 11,05
